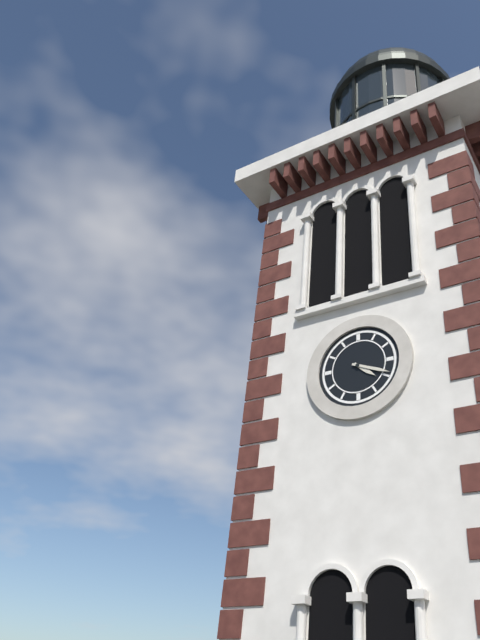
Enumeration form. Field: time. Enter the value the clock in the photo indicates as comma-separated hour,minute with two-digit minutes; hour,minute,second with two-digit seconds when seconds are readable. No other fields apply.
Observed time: 4,19
